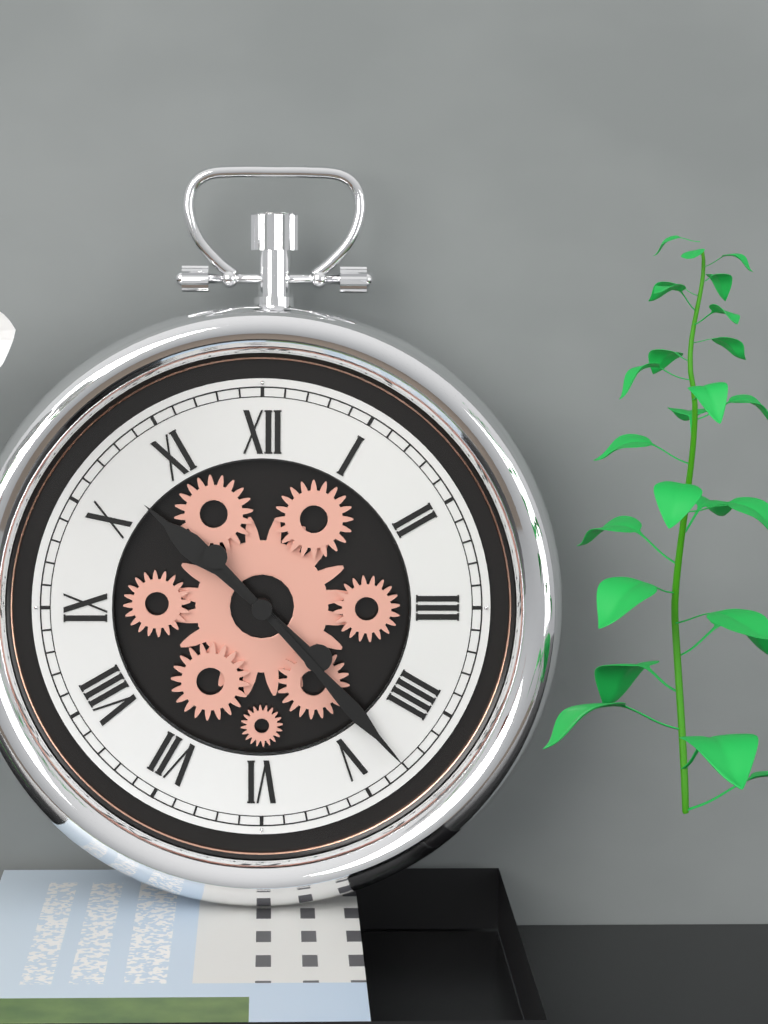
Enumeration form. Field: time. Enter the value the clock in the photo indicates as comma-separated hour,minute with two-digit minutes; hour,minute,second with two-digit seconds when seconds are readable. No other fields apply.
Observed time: 10,23
